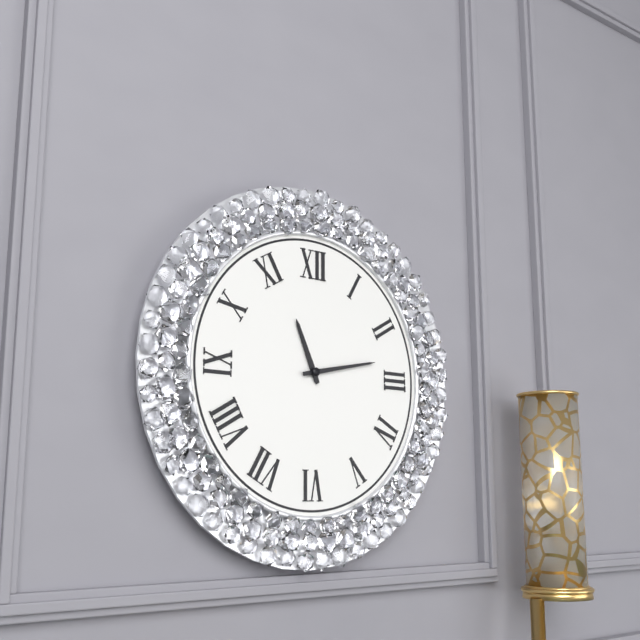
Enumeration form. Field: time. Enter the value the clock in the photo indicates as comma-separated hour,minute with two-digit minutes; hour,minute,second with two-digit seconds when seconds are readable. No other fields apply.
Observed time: 11,13
